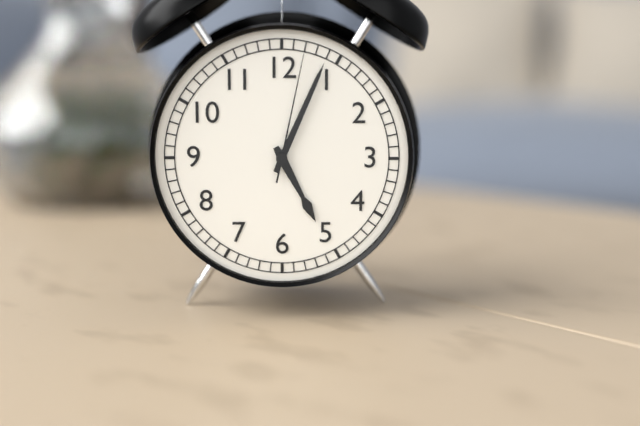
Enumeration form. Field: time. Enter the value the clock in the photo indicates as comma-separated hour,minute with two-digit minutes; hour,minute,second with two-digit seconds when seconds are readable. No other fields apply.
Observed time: 5,04,02
